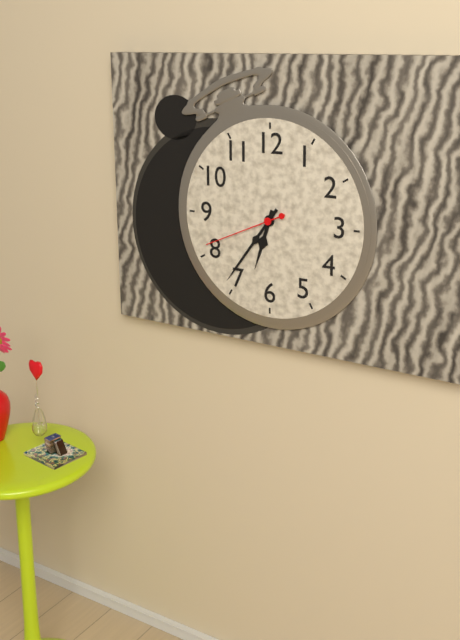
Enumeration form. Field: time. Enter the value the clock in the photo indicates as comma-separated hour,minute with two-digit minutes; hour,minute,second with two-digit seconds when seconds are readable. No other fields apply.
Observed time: 6,36,41
